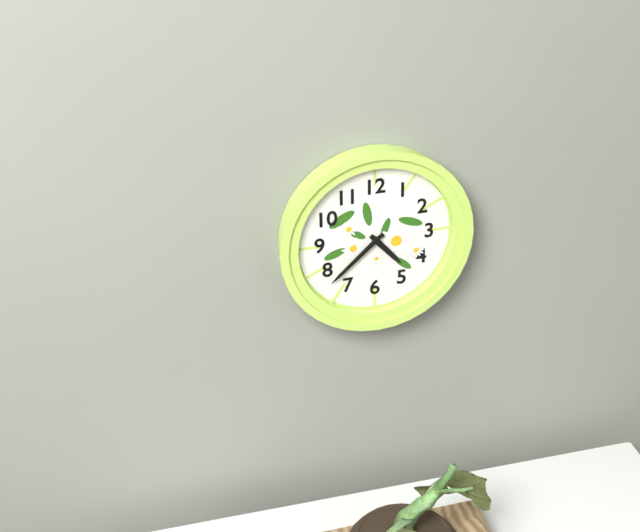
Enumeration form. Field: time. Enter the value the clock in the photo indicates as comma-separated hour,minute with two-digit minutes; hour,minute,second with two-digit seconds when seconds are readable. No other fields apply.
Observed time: 4,38
